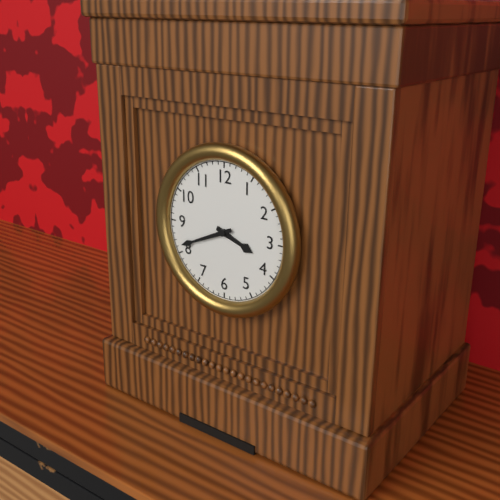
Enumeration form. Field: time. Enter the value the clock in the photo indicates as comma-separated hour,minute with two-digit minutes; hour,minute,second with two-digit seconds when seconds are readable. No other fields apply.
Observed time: 3,41
